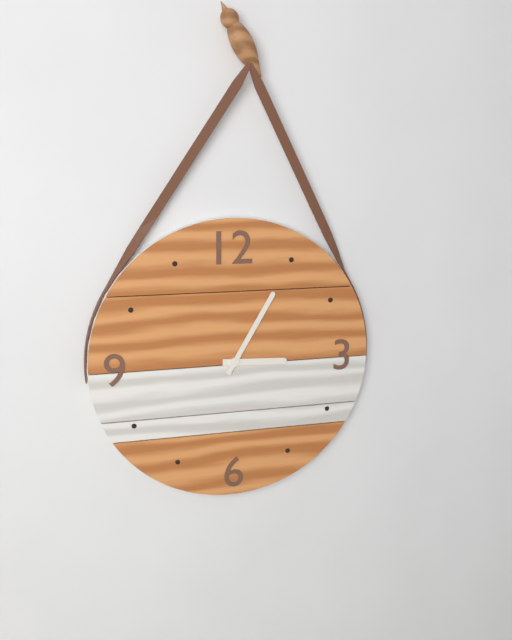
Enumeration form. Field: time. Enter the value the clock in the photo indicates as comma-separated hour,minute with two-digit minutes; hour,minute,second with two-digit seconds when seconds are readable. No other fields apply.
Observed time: 3,05
